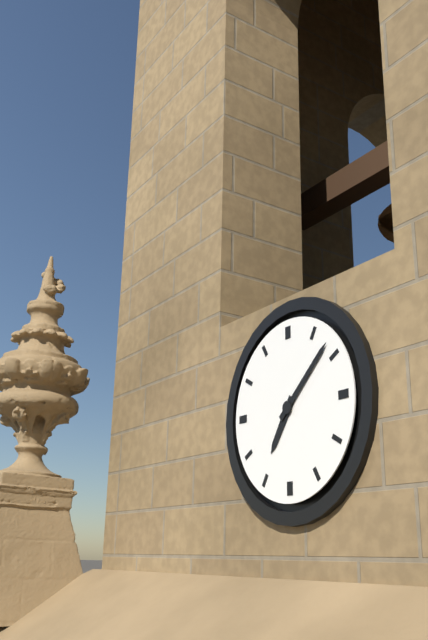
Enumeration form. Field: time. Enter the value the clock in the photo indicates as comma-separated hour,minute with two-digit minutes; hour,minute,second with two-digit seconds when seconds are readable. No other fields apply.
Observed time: 7,08
